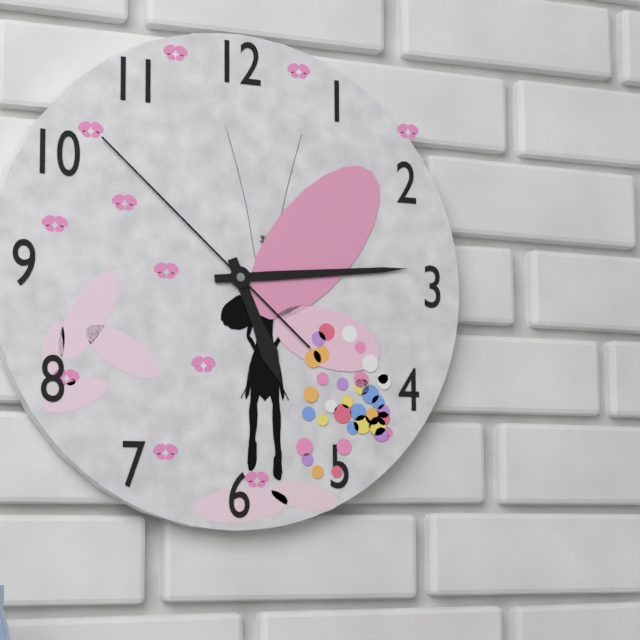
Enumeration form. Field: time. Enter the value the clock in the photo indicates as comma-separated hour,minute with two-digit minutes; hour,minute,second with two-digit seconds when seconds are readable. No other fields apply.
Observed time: 5,14,52
